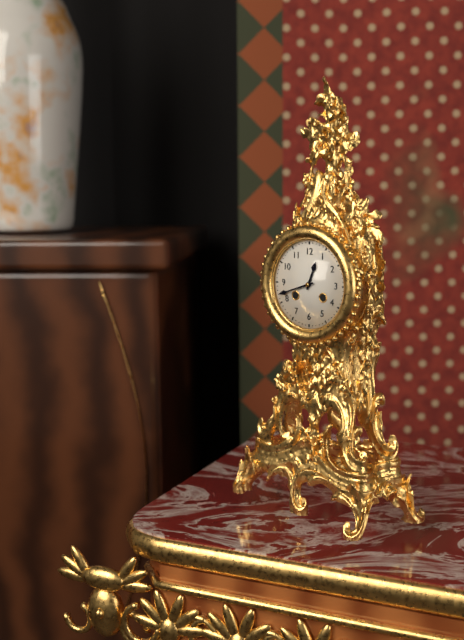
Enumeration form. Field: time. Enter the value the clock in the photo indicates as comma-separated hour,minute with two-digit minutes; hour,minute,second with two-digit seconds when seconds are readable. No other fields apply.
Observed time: 12,42
